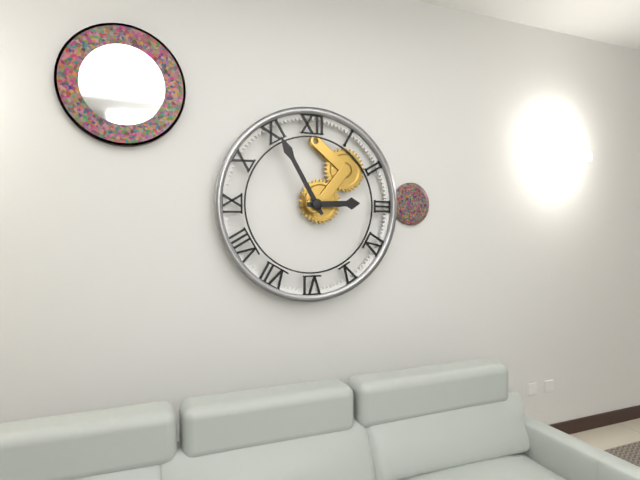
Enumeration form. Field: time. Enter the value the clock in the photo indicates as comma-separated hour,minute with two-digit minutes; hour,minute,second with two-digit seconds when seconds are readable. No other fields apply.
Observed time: 2,55
